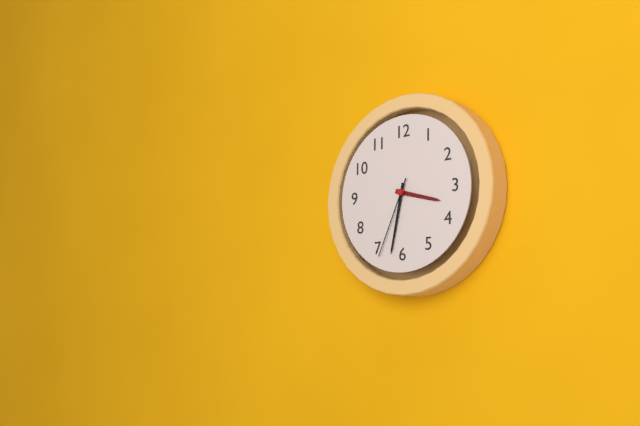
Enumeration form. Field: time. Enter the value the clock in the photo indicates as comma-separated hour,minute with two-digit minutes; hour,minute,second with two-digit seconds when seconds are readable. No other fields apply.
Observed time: 3,32,34
